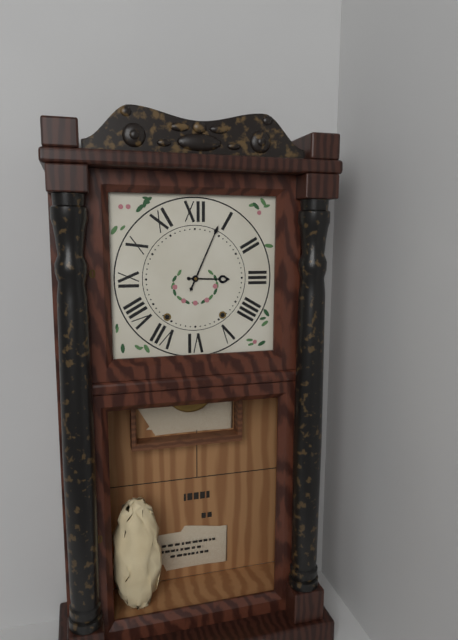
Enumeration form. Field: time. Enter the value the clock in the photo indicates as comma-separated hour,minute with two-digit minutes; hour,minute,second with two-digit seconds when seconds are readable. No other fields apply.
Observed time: 3,04
